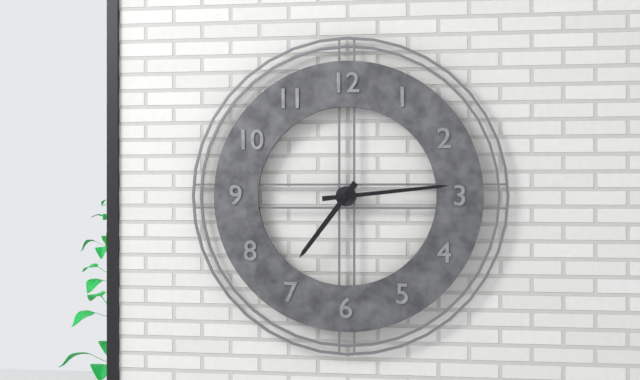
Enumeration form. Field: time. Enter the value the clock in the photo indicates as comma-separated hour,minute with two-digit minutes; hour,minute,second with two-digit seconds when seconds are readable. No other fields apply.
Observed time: 7,14
